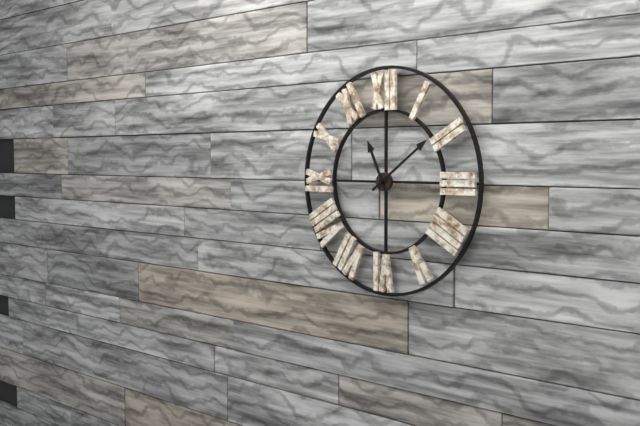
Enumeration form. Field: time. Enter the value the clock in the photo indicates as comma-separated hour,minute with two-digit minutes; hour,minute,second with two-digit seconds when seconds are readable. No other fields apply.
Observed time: 11,09
